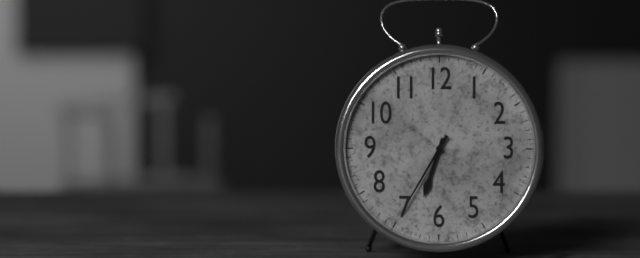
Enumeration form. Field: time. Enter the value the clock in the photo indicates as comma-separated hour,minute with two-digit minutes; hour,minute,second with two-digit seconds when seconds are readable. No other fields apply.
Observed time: 6,35
